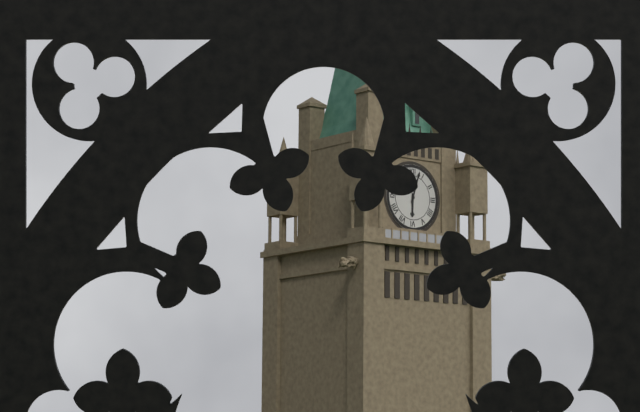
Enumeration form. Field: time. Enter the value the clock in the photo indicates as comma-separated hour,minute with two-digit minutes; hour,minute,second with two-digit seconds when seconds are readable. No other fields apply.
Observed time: 6,03
